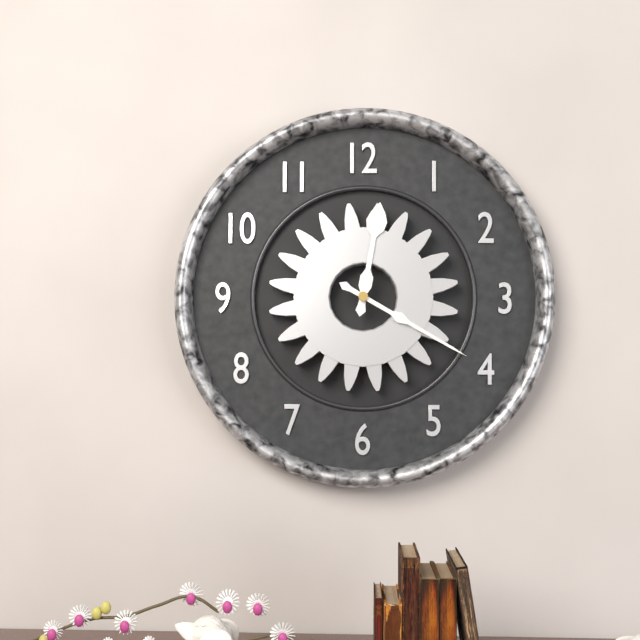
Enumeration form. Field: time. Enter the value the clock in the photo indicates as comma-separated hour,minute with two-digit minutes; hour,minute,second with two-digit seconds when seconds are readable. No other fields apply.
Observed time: 12,20
